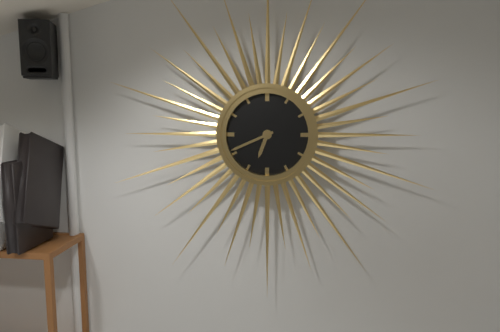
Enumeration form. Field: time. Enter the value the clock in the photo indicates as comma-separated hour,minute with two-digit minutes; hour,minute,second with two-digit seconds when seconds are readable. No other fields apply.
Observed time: 6,41
